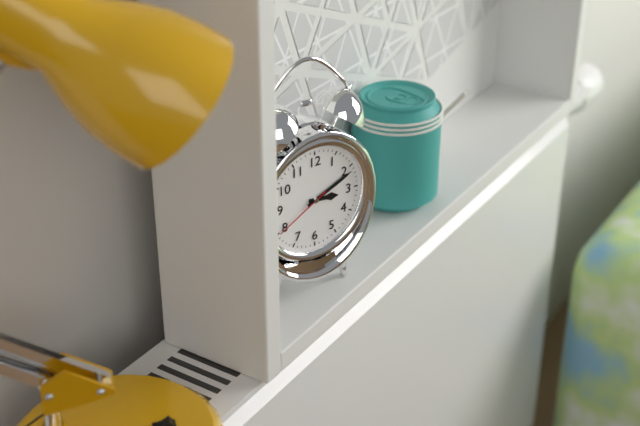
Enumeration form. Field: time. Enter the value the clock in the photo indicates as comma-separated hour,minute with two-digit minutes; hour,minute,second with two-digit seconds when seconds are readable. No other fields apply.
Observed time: 3,11,40
